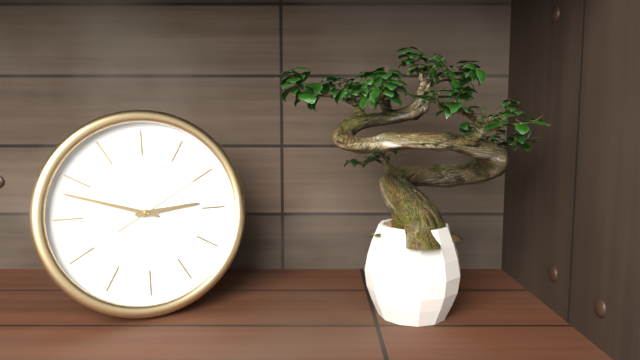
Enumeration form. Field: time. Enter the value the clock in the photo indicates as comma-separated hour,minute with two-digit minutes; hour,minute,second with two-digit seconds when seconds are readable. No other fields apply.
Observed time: 2,48,10
